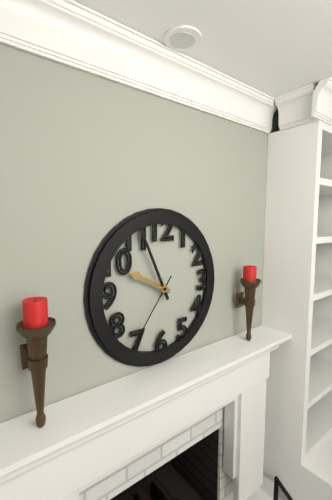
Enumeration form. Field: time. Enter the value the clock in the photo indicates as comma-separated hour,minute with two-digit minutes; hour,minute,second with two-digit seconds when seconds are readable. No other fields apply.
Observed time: 9,56,36
